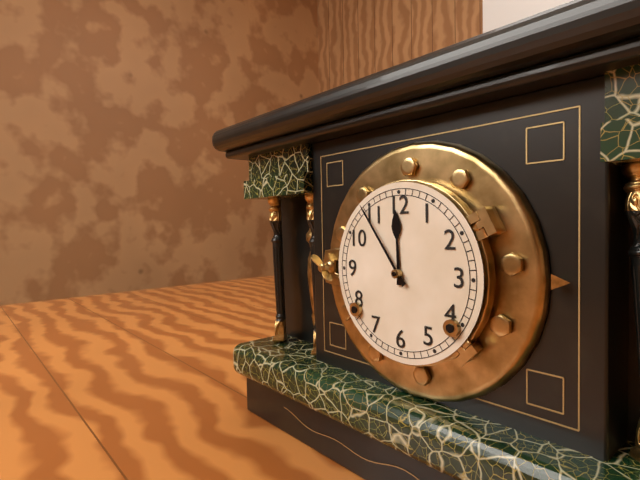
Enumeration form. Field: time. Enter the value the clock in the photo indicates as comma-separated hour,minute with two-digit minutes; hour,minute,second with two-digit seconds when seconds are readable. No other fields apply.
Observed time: 11,54
